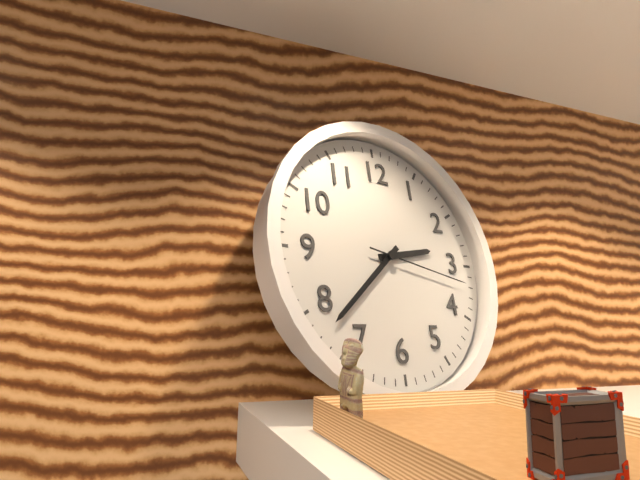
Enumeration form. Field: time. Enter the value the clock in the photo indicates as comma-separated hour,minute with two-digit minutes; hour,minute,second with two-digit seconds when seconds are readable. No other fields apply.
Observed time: 2,38,17
